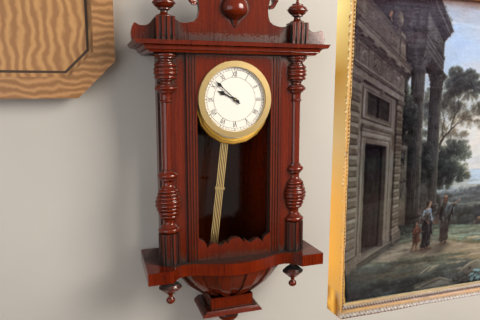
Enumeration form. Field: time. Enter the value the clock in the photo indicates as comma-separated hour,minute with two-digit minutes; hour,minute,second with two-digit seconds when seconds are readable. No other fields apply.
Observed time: 9,52
